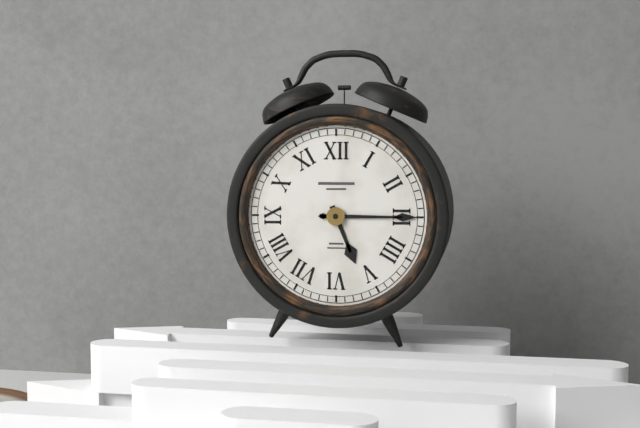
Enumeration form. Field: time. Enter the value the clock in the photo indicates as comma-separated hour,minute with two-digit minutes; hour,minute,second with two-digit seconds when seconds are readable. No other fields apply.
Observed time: 5,15
